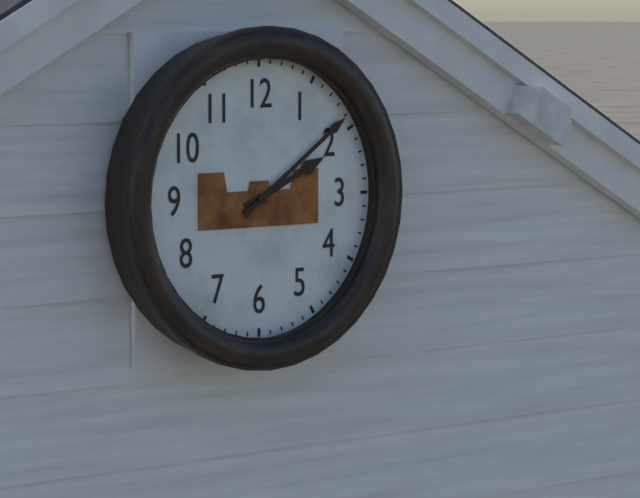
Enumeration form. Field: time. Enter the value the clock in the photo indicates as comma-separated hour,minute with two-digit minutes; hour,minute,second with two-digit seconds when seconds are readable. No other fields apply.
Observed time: 2,09
